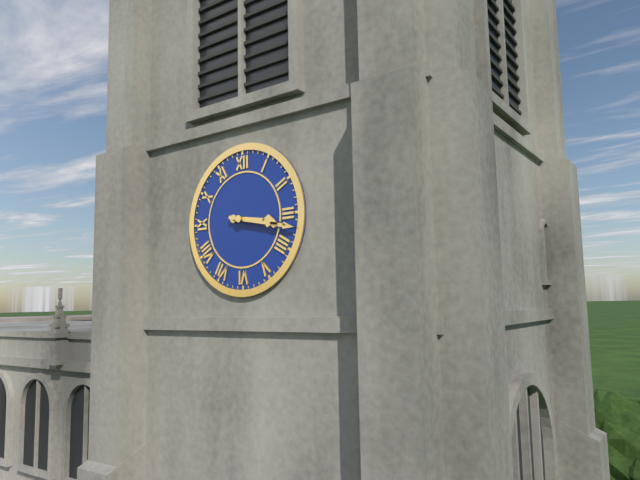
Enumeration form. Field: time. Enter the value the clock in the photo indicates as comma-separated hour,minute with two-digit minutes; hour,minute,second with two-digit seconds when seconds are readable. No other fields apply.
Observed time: 3,17
